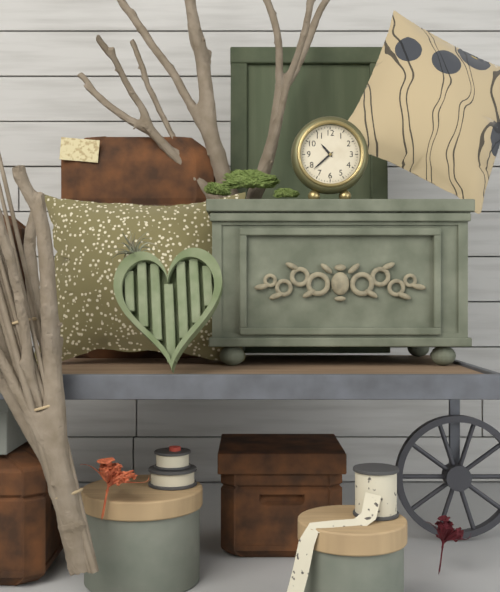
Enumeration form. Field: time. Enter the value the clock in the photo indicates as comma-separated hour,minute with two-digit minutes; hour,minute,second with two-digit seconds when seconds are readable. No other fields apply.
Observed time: 10,38
